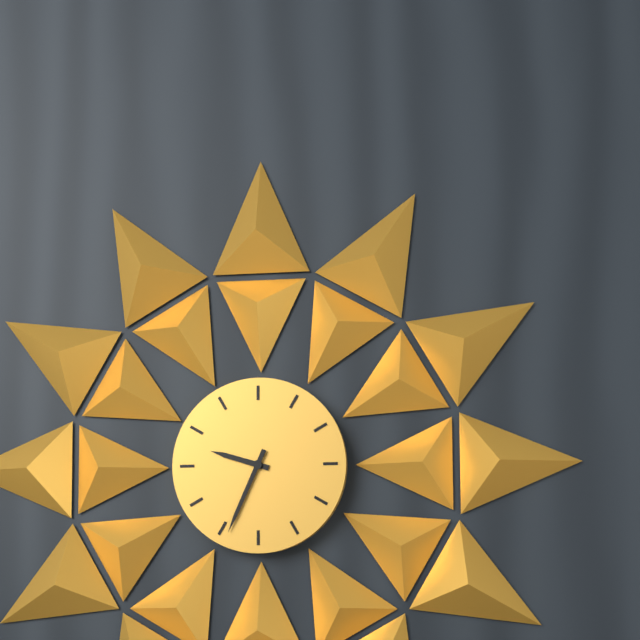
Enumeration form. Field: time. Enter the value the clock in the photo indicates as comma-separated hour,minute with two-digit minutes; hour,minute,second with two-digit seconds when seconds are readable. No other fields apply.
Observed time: 9,34
